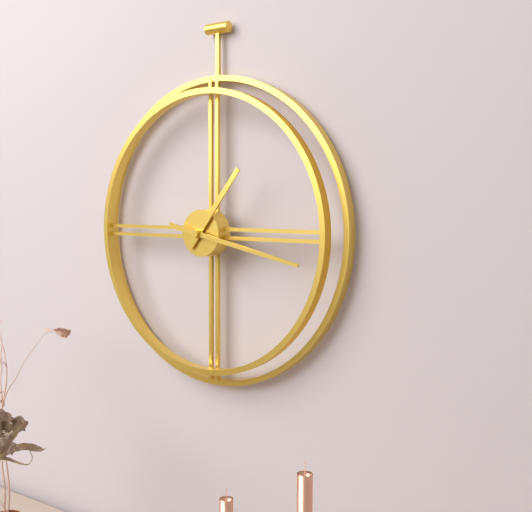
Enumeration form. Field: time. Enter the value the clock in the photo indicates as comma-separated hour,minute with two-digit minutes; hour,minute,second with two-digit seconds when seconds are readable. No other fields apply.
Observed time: 1,17
